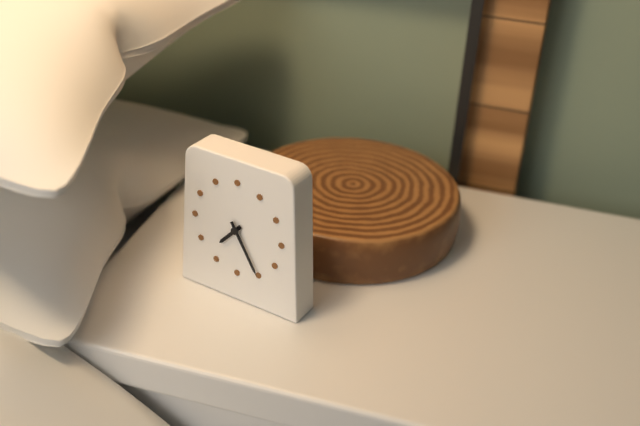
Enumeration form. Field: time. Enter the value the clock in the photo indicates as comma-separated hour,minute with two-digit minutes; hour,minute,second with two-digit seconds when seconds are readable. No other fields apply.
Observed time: 7,25
